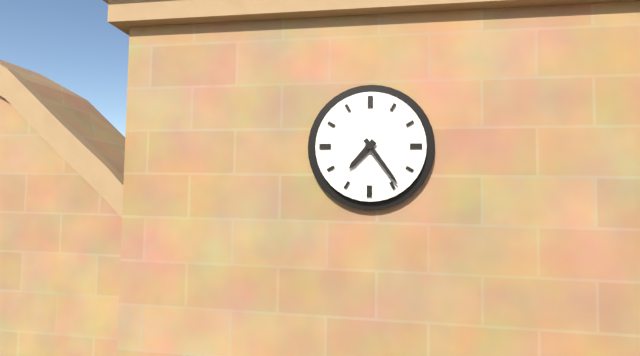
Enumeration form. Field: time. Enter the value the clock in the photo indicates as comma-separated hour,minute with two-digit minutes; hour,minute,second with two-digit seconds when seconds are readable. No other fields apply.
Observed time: 7,24
